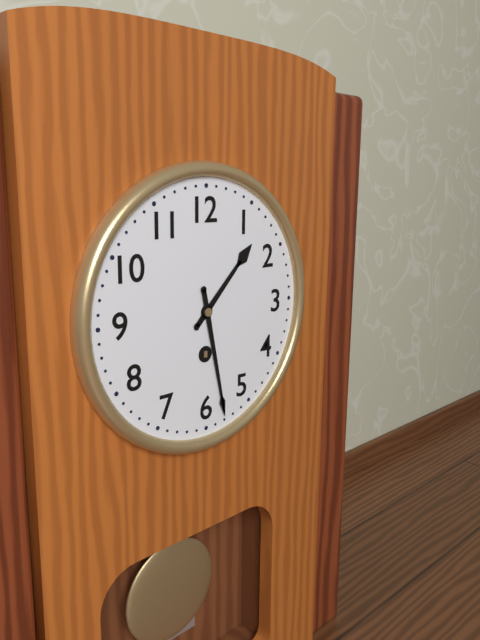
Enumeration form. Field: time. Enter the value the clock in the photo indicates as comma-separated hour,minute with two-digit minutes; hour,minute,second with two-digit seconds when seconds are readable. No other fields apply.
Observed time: 1,28
